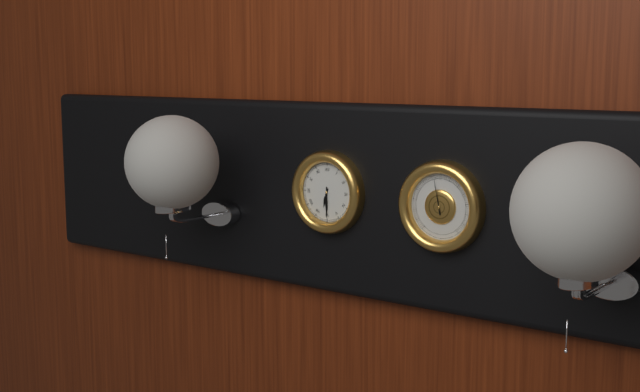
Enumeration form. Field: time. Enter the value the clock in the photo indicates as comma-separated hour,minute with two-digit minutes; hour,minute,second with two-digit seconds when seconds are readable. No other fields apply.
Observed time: 6,30
